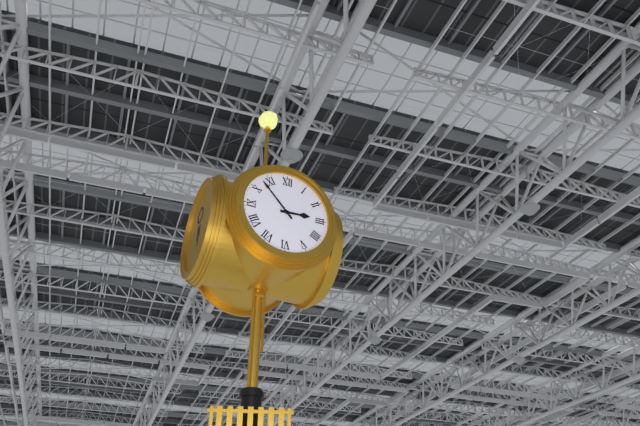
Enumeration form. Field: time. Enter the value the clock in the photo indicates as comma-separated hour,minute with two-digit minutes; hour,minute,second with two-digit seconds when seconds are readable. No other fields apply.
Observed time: 2,53
